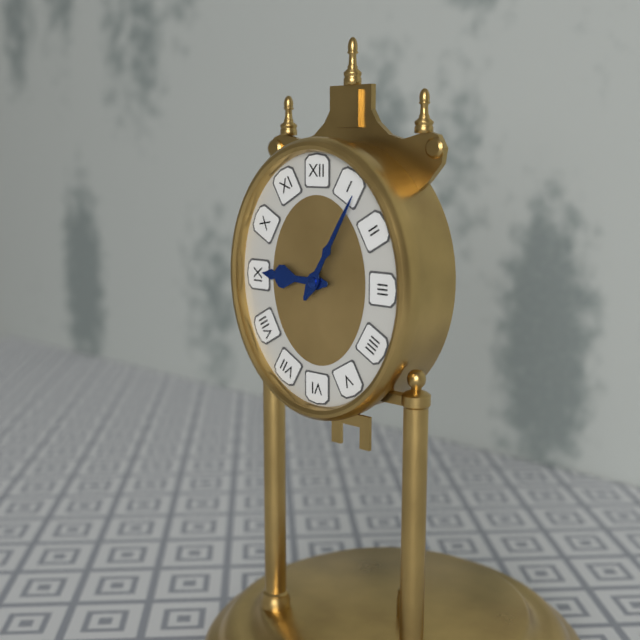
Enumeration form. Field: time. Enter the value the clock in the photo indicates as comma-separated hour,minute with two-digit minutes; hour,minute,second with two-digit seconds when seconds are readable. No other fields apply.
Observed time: 9,05
